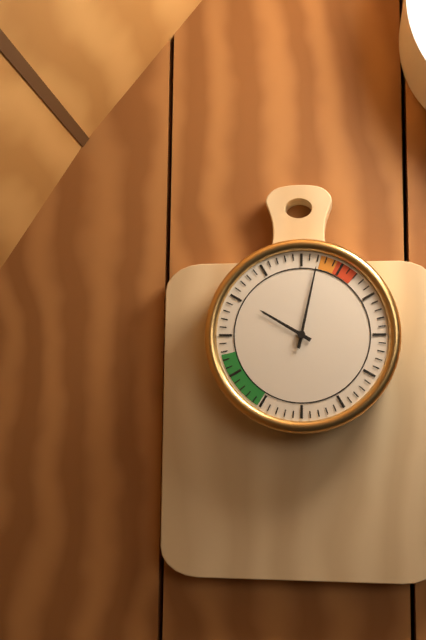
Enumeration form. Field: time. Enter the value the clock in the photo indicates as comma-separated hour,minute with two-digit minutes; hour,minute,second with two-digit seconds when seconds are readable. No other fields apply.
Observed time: 10,02
